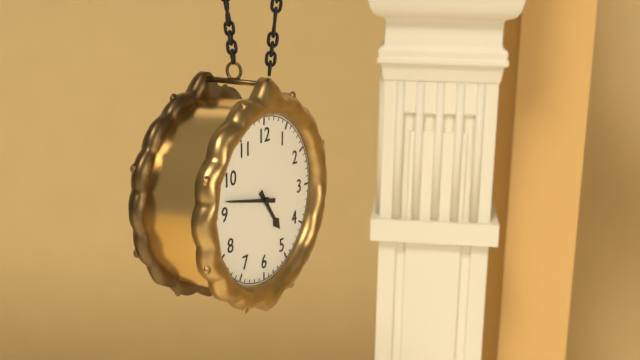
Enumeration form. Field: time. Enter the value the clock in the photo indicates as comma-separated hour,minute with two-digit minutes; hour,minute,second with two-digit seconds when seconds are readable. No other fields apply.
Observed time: 4,47
